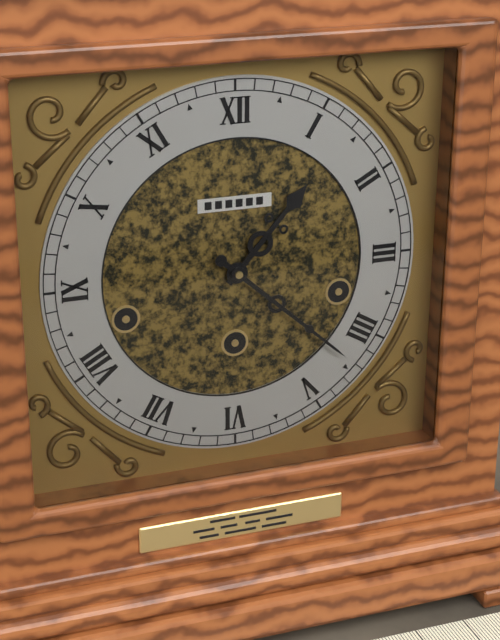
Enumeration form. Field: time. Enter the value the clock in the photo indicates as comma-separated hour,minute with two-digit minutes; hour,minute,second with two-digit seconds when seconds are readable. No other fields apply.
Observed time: 1,22
